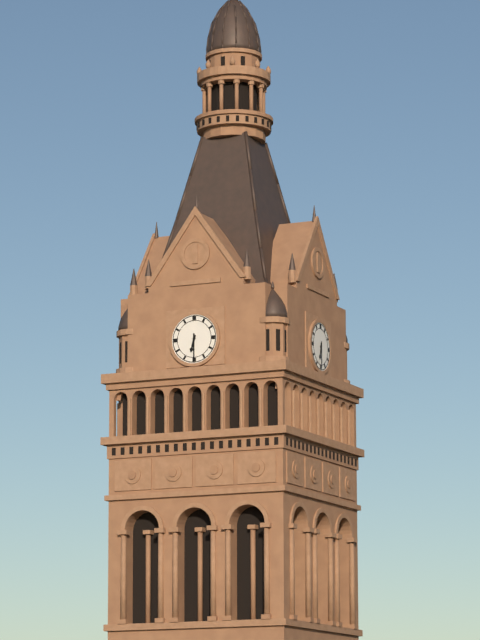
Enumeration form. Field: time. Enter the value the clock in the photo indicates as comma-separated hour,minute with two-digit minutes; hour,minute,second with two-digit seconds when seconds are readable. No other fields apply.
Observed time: 6,30
